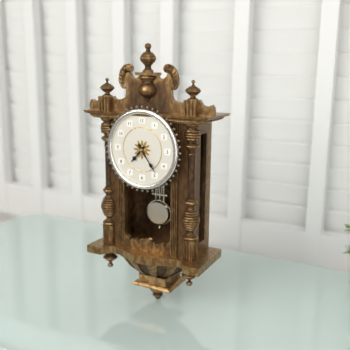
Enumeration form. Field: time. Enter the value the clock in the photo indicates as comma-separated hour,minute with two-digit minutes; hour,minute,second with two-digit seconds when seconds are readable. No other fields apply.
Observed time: 7,24
